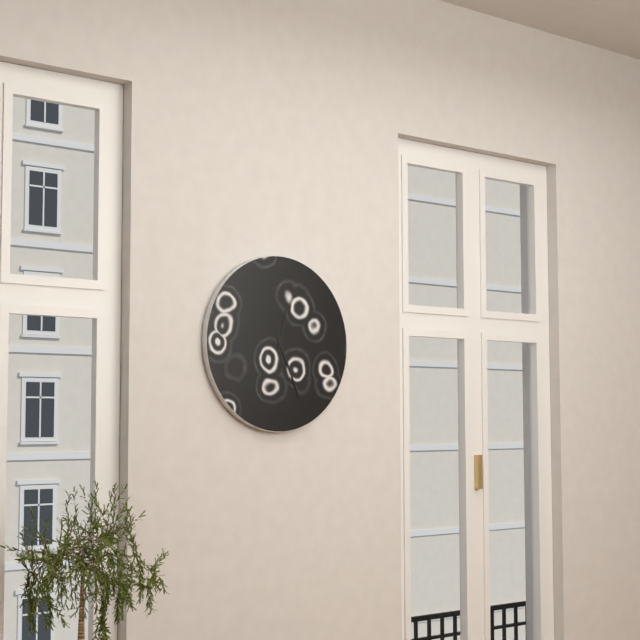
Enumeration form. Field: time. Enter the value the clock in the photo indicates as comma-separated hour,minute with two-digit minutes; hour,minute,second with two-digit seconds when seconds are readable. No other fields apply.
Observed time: 12,26
